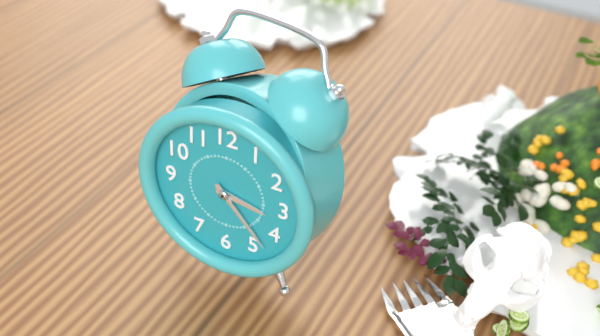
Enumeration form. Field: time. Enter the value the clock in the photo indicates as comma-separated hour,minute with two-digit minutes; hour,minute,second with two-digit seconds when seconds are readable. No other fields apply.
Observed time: 3,23
